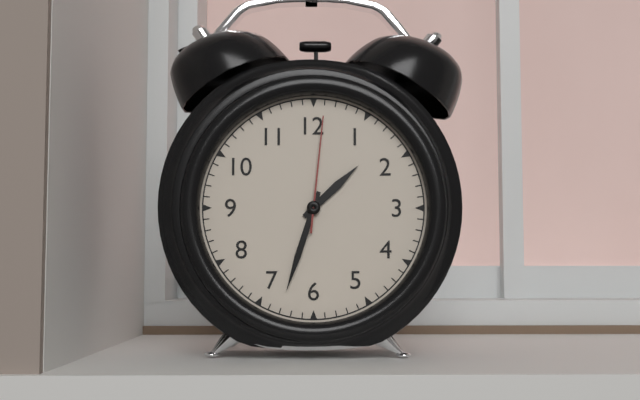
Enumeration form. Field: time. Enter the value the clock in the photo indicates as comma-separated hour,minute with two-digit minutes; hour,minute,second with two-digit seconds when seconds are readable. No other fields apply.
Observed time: 1,33,01
